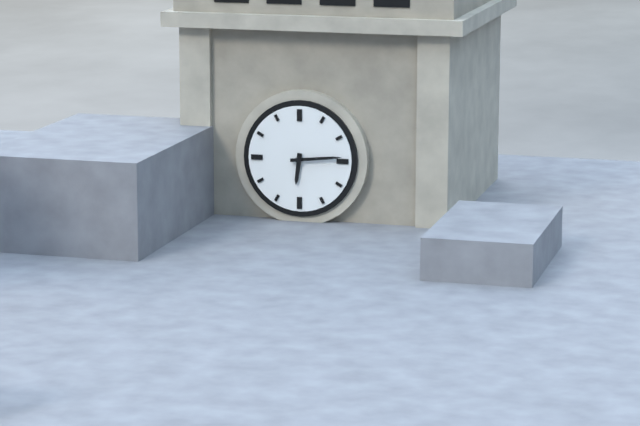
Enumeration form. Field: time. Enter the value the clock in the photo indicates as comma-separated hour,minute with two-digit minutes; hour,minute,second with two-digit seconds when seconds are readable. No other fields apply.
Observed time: 6,14
